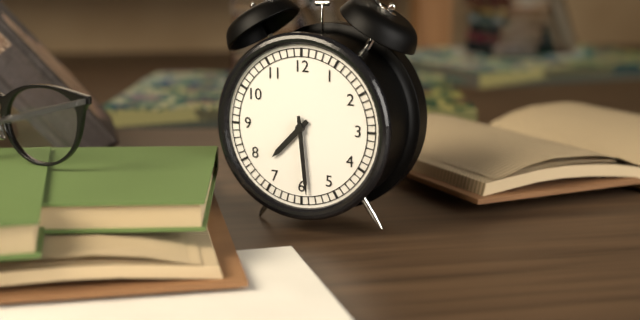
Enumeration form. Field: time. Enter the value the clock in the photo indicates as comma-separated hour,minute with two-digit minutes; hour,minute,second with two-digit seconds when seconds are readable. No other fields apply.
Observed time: 7,29
